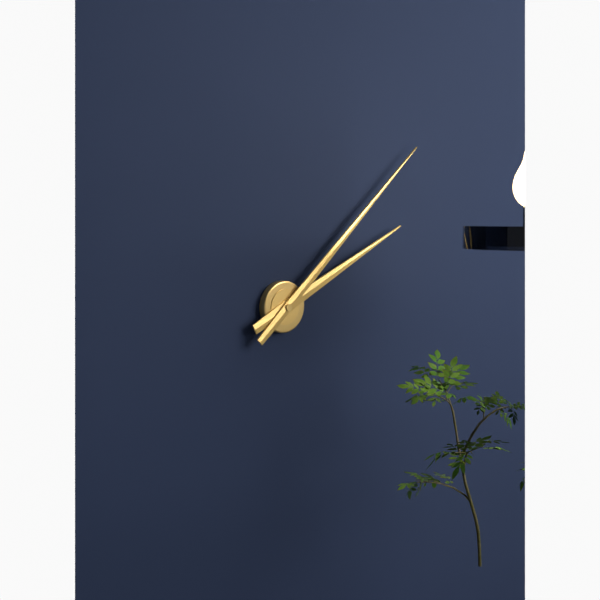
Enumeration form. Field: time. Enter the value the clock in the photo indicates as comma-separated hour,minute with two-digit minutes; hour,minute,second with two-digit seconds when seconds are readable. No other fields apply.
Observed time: 2,08
